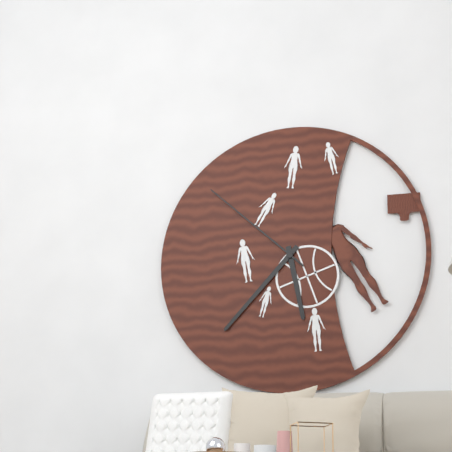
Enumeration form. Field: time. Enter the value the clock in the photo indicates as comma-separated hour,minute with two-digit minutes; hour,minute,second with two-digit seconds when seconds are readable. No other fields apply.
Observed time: 5,37,52
